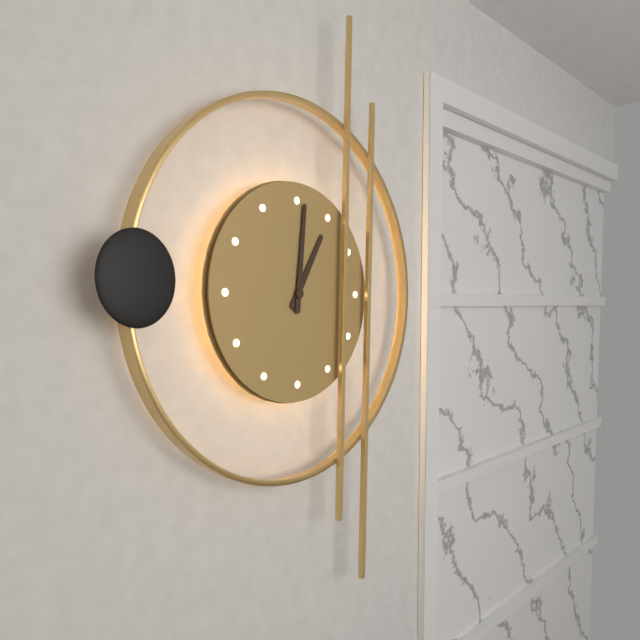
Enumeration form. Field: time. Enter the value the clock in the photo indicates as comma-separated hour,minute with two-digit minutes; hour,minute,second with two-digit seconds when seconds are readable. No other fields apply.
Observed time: 1,01
